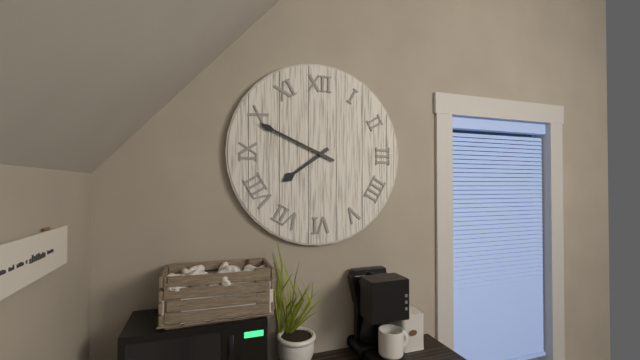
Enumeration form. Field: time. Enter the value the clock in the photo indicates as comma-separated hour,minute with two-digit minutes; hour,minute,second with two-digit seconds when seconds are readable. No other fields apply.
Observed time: 7,49
